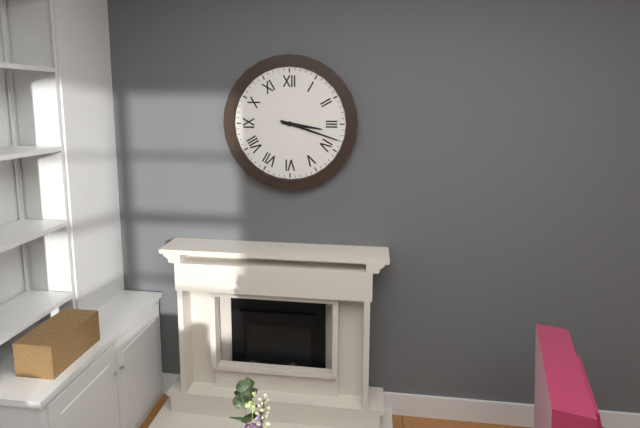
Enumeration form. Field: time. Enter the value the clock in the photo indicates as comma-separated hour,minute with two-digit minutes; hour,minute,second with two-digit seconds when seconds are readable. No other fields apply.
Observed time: 3,18
